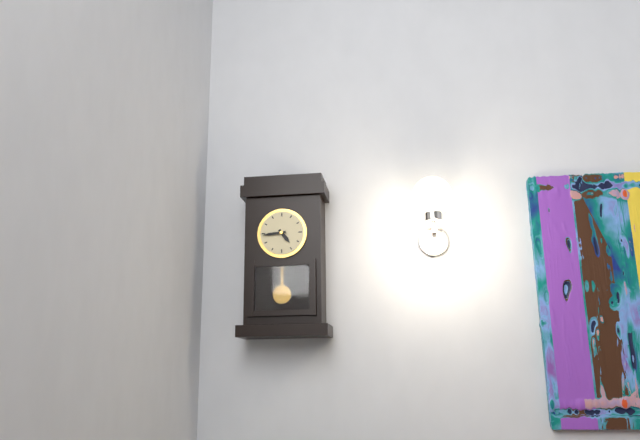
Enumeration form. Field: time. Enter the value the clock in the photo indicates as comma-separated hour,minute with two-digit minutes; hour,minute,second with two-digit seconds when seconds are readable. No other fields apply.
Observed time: 4,44
